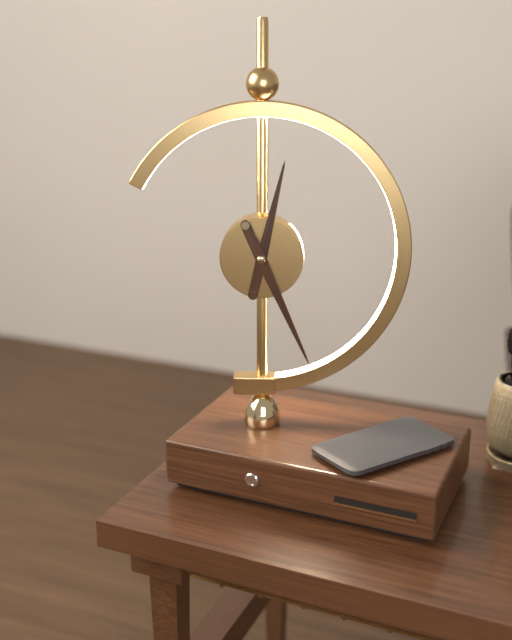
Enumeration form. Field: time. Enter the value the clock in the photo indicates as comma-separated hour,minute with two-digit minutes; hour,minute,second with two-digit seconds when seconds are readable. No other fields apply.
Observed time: 12,26
